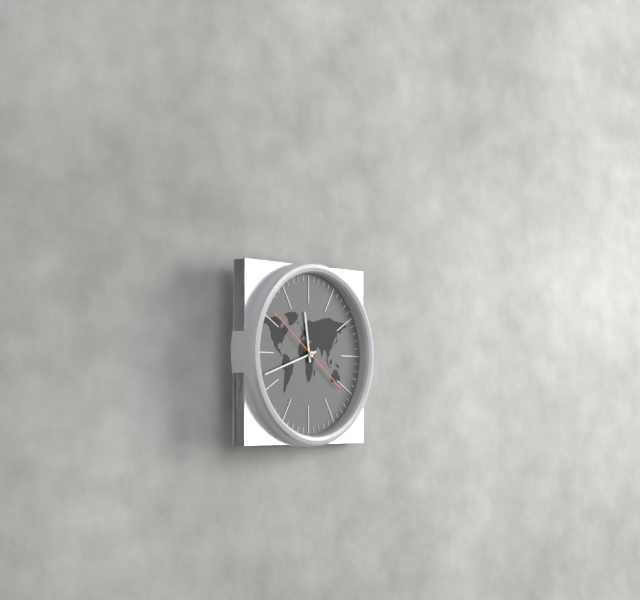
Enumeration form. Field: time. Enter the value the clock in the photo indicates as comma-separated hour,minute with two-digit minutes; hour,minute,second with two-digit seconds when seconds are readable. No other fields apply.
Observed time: 11,42,51
